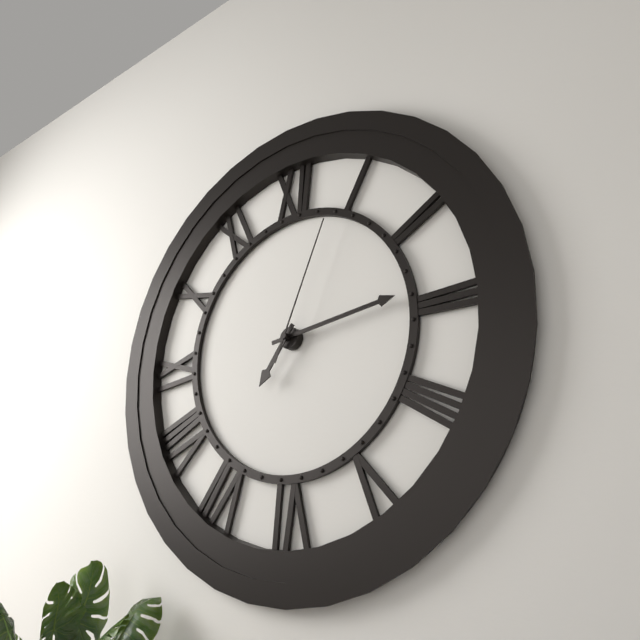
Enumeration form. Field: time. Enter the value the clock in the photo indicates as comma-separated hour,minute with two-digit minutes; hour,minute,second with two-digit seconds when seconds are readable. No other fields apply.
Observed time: 7,14,04
